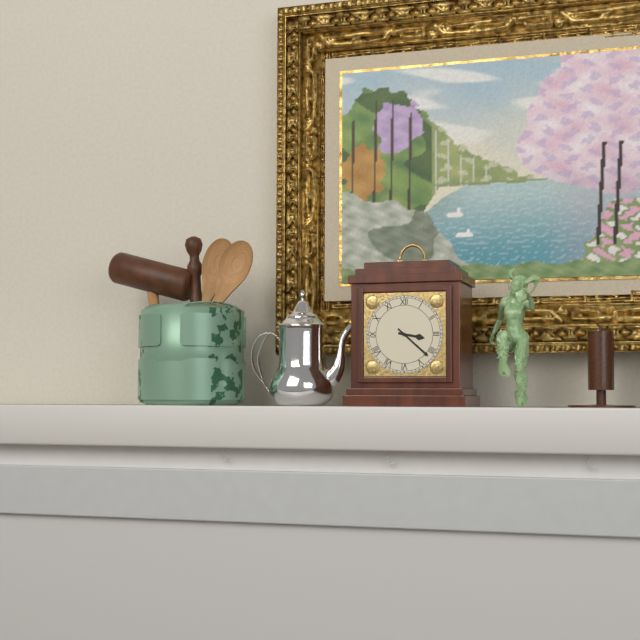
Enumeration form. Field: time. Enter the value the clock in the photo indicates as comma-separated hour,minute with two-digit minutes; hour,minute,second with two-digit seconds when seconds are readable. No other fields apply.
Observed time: 3,22
